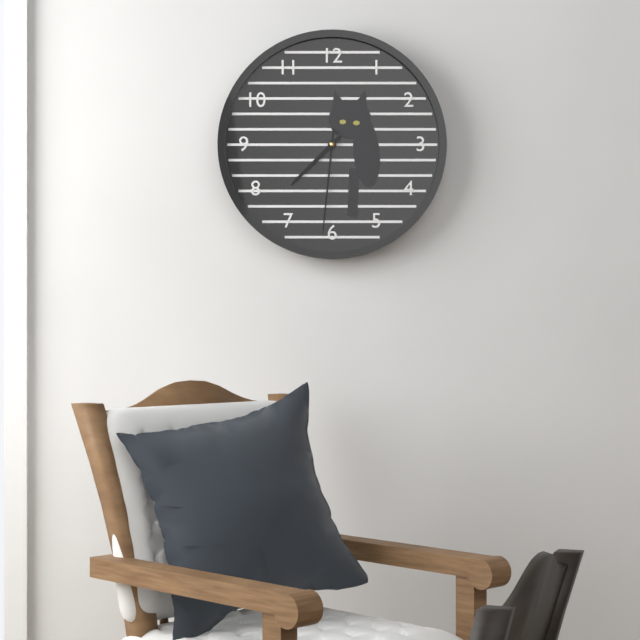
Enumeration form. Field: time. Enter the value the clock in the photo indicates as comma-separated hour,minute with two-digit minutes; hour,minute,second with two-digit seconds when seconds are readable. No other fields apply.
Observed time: 7,31
